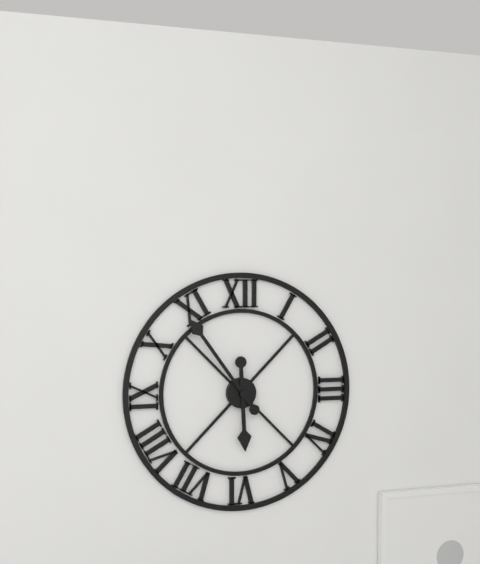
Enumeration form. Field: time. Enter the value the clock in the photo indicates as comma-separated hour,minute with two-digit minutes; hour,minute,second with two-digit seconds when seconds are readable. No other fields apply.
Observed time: 5,54
